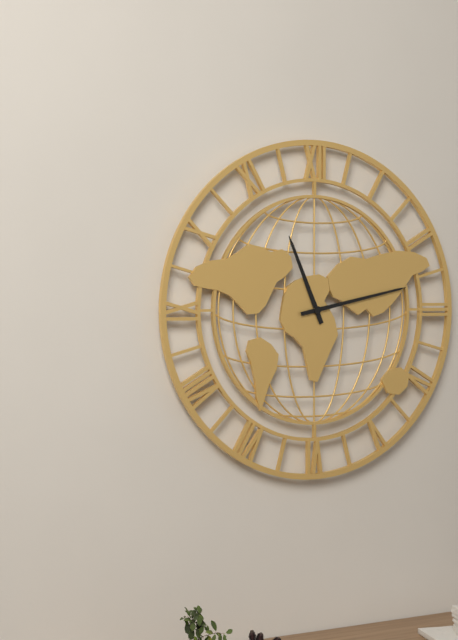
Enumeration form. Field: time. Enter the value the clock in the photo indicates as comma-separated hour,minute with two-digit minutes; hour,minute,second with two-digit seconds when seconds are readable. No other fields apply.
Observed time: 11,13
